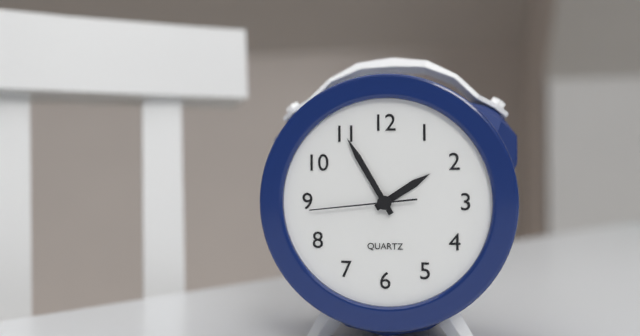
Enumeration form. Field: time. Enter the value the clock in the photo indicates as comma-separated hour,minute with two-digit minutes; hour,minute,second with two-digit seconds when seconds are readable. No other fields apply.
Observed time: 1,55,44
